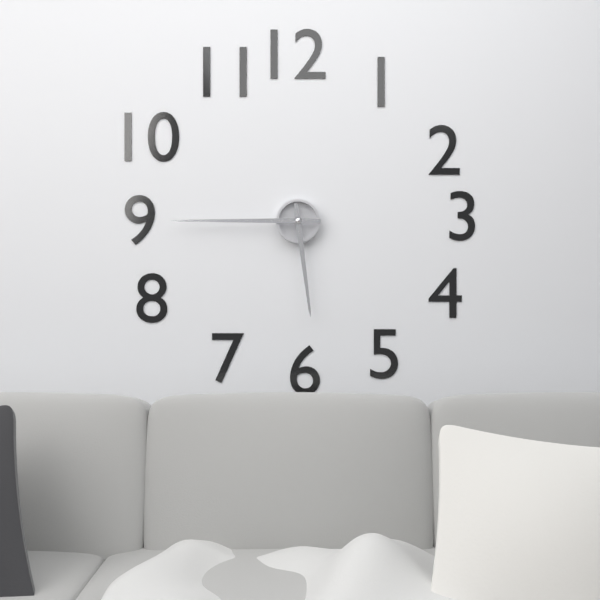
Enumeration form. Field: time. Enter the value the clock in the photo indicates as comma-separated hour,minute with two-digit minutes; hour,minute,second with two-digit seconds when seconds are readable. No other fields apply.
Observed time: 5,45
